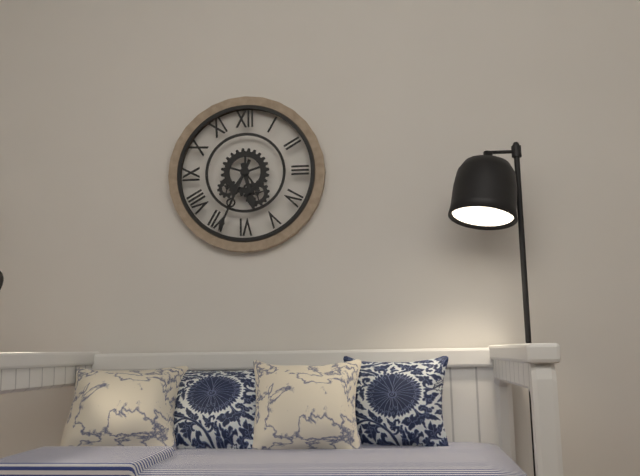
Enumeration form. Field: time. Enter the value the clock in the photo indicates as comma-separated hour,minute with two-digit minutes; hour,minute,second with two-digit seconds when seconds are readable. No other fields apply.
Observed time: 5,34
